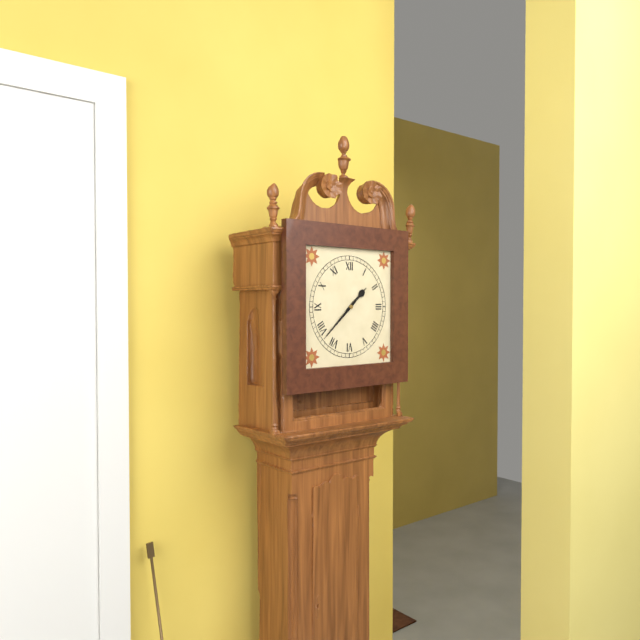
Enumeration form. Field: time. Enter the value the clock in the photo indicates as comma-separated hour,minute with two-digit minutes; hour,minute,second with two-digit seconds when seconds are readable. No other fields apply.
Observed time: 1,38
